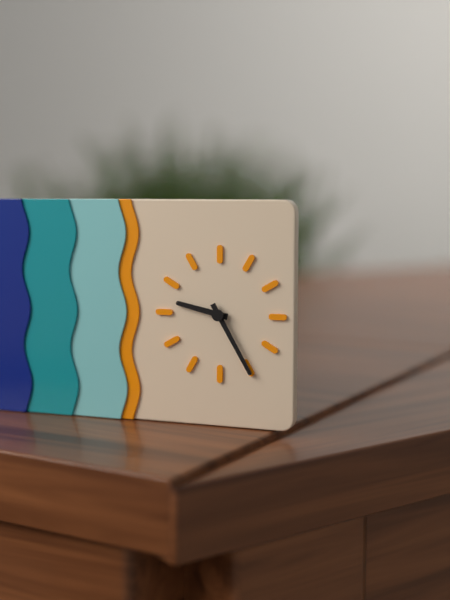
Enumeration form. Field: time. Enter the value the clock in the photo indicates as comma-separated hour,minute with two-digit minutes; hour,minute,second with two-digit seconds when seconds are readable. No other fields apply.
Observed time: 9,25
